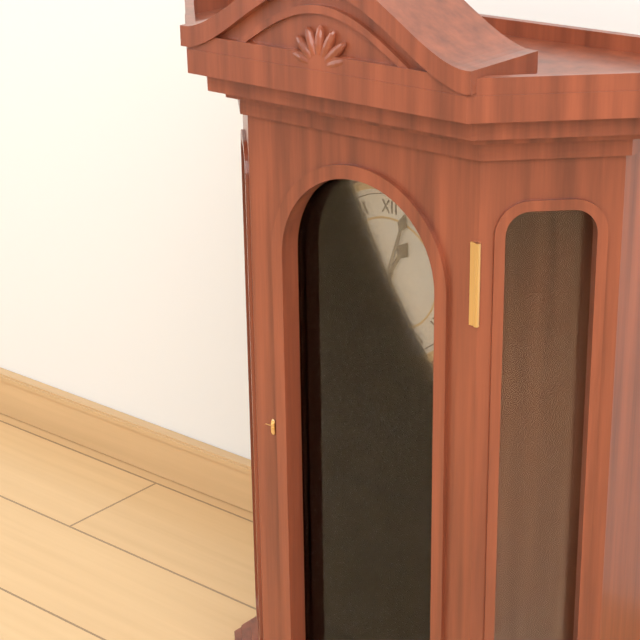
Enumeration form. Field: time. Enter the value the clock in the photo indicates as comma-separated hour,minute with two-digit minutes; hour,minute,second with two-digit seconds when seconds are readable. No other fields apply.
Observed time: 1,03
